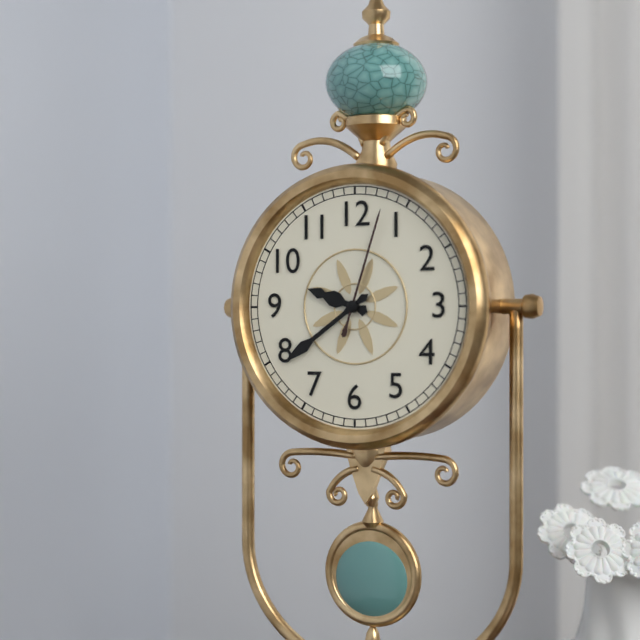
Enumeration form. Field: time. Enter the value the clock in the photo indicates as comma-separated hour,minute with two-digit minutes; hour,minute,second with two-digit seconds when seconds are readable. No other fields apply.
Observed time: 9,39,03
